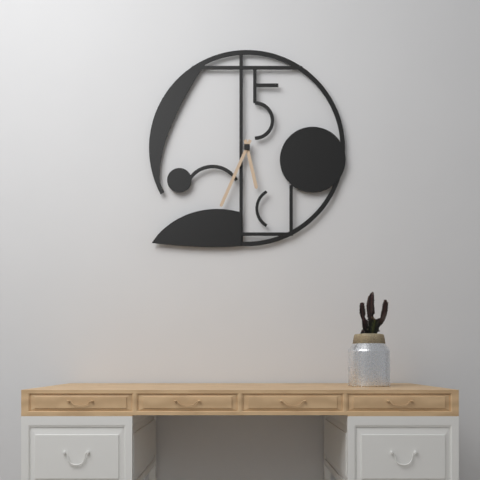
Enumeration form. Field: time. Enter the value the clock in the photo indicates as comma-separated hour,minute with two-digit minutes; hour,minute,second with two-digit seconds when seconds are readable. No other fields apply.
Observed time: 5,34
